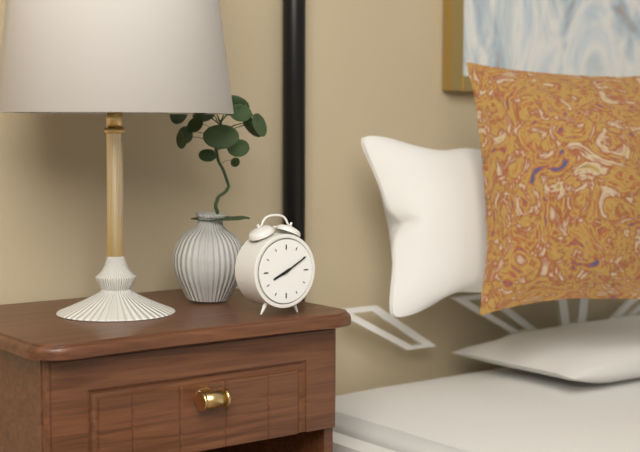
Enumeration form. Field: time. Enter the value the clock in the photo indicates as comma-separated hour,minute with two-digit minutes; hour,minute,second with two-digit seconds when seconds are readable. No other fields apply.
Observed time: 8,10
